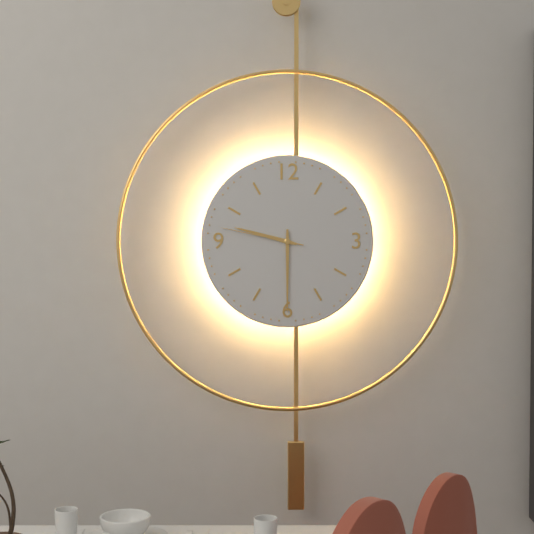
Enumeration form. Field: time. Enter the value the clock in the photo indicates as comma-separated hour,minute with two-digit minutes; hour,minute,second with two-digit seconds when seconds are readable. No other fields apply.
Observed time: 9,30,47
